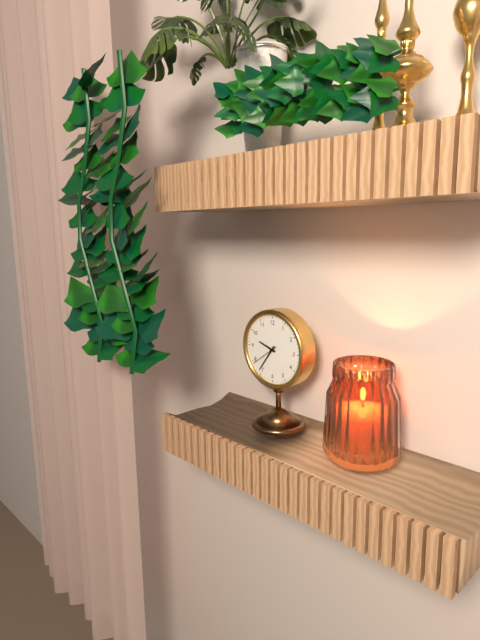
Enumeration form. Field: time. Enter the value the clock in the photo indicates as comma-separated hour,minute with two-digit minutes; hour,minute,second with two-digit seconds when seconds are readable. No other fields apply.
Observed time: 9,36
